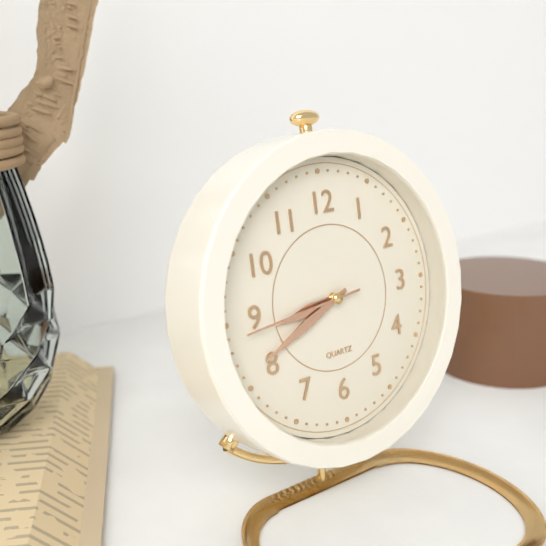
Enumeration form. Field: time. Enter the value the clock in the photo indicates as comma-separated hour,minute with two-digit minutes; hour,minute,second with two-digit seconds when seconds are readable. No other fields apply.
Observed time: 8,41,44
